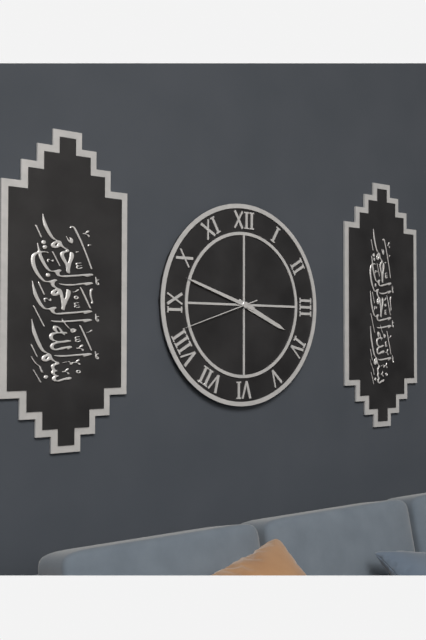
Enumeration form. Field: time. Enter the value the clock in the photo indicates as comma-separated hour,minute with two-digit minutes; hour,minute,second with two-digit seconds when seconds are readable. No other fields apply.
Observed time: 3,48,42
